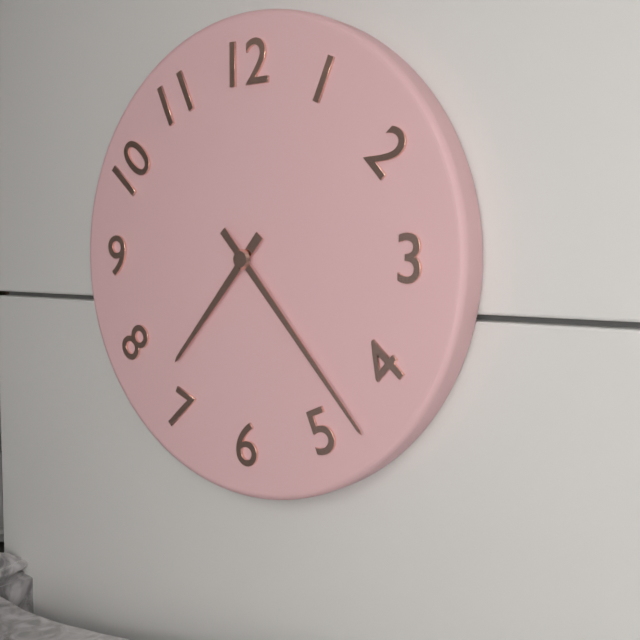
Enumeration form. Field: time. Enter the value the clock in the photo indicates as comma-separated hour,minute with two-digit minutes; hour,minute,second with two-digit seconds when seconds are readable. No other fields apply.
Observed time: 7,23
